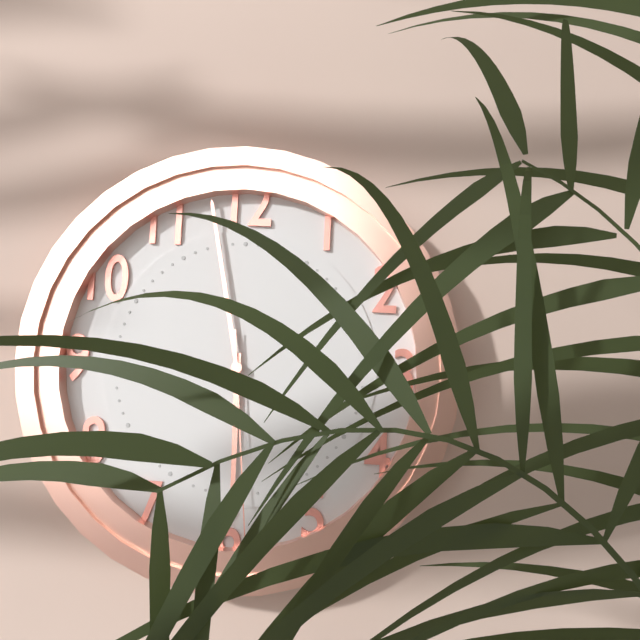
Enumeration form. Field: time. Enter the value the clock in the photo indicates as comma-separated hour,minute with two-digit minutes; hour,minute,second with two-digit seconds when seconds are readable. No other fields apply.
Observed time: 5,58,29
